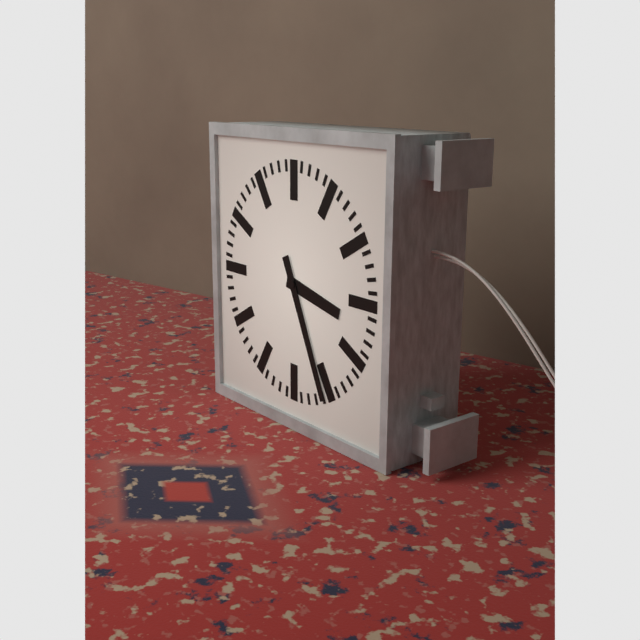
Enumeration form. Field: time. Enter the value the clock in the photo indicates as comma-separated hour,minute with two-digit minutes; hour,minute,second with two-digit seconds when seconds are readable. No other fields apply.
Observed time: 3,26
